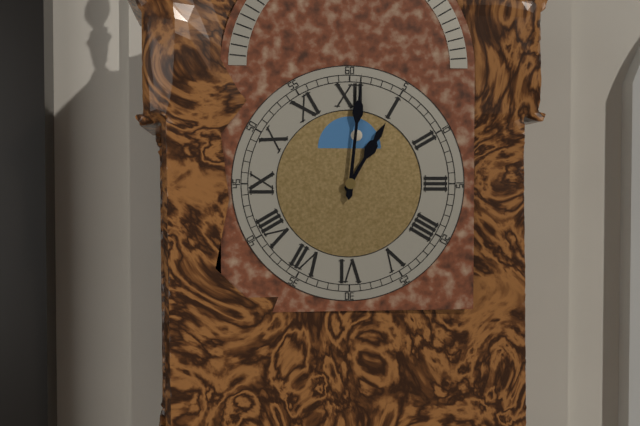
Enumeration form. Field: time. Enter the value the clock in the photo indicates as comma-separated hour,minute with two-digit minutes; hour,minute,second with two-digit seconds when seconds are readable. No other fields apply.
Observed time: 1,01
